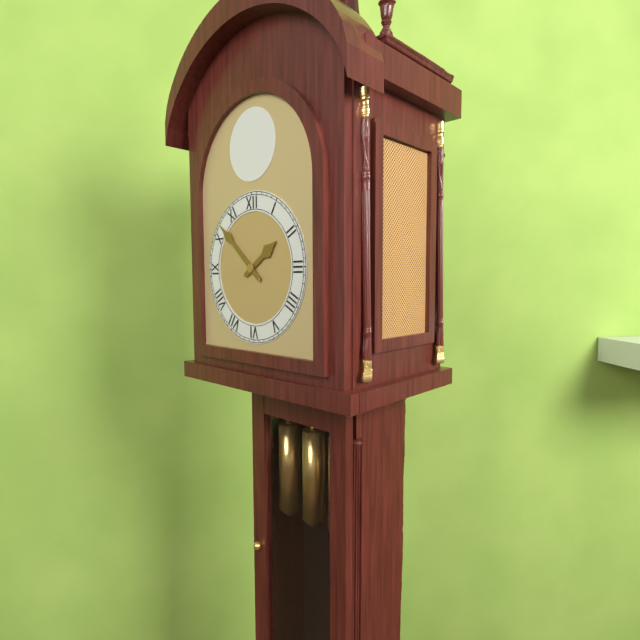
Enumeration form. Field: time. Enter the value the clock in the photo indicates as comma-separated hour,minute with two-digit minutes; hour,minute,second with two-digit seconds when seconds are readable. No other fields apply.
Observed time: 1,52
